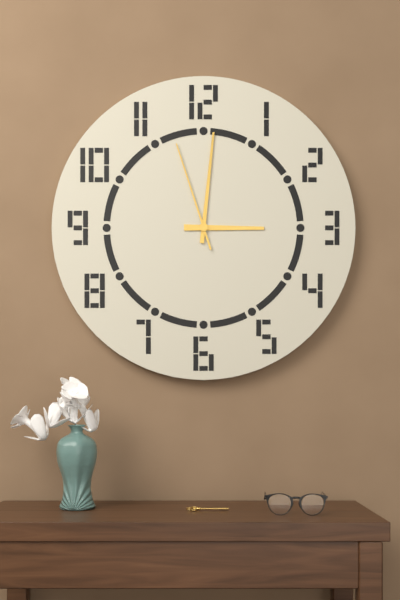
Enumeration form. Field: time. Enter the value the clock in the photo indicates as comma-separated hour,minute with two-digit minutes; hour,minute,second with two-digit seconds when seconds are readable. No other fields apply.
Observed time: 3,01,57
